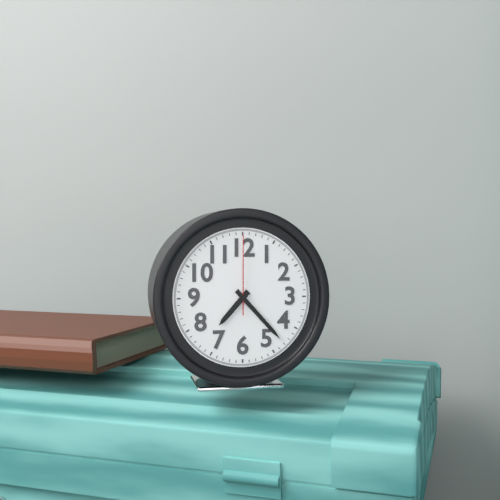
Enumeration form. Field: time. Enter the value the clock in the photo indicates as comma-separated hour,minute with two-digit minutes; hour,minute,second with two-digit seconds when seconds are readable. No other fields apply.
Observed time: 7,23,00
